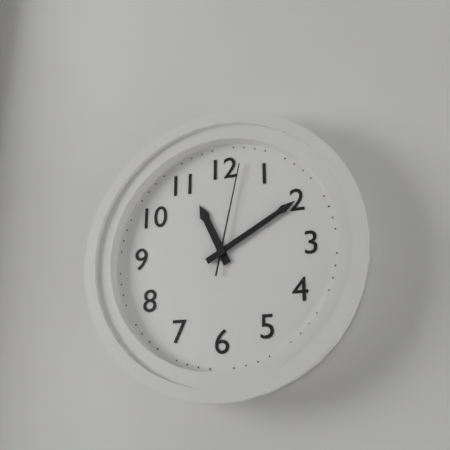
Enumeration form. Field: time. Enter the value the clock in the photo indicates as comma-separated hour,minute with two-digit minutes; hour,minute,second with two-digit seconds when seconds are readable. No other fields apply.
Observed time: 11,10,02
